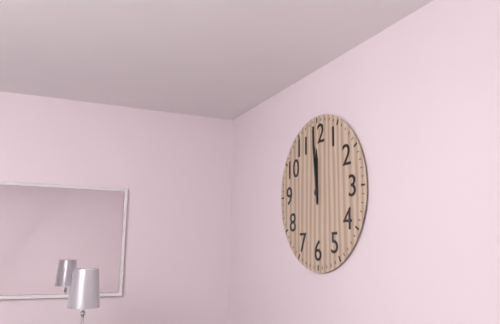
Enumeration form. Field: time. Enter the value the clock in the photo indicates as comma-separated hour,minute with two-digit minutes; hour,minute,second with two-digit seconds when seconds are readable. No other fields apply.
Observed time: 11,59
